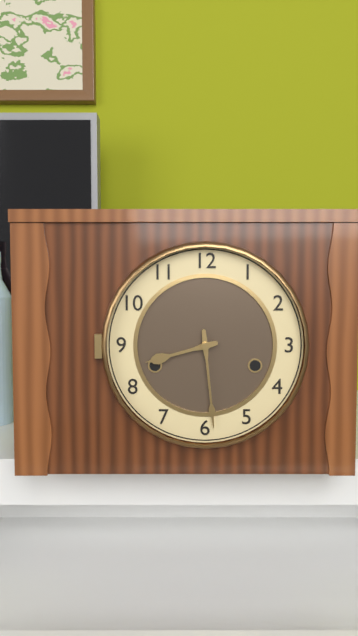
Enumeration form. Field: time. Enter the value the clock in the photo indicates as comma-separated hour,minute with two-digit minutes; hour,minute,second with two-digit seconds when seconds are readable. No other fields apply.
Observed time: 8,29
